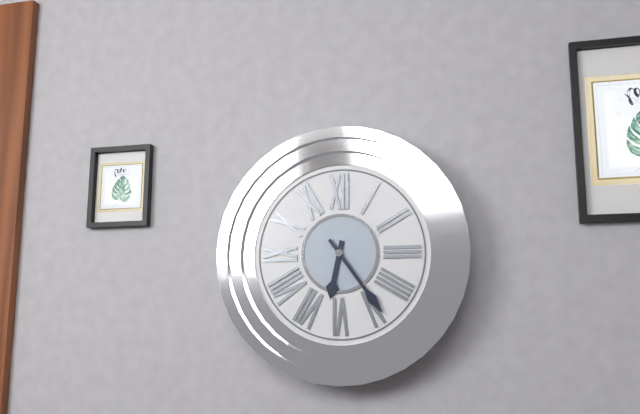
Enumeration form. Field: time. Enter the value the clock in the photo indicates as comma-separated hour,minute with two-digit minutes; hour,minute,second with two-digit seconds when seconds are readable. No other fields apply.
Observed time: 6,24
